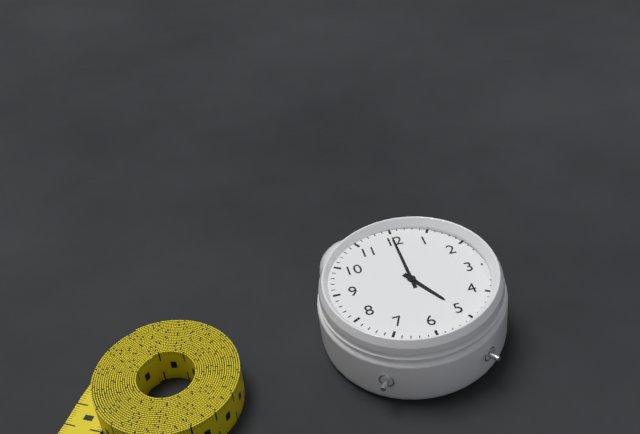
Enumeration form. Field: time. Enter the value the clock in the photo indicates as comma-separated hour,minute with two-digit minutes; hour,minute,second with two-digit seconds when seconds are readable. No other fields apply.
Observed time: 5,00
